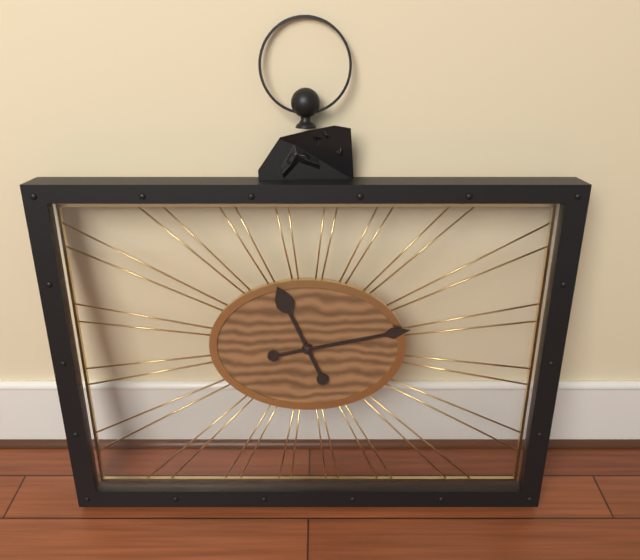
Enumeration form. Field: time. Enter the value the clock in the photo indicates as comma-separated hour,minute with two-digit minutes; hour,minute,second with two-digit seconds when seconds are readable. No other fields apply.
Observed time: 11,13
